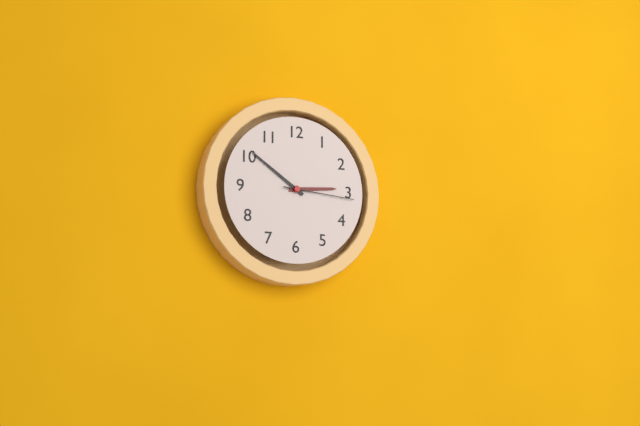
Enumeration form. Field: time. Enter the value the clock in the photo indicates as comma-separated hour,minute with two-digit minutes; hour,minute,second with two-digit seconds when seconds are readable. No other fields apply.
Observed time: 2,51,16
